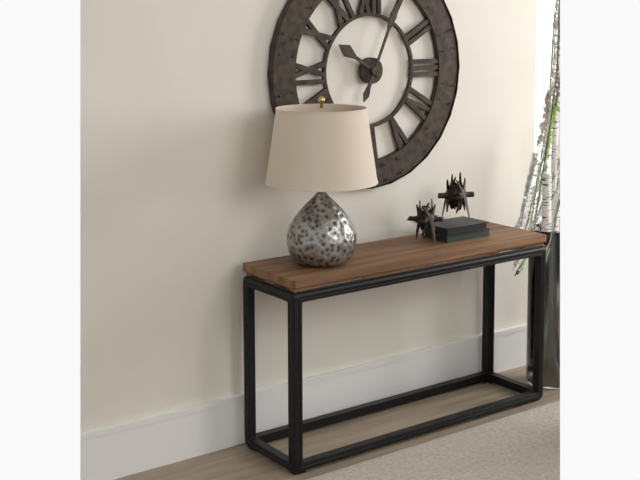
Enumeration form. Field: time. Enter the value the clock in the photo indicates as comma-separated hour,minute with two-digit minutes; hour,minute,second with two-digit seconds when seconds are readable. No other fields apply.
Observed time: 10,04
